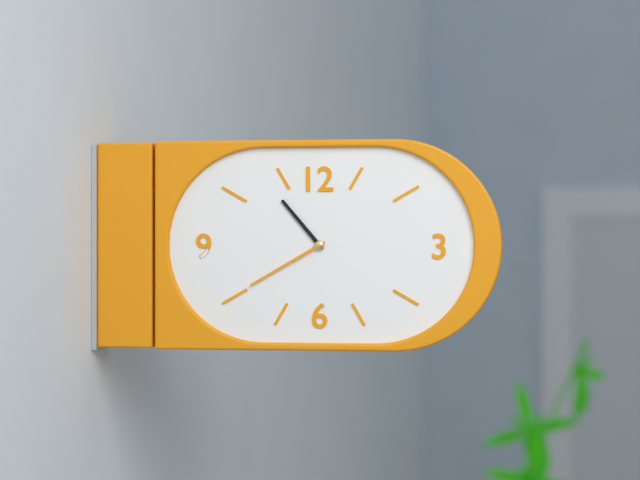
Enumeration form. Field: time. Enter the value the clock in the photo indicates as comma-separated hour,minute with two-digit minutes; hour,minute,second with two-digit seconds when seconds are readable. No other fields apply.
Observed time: 10,40
